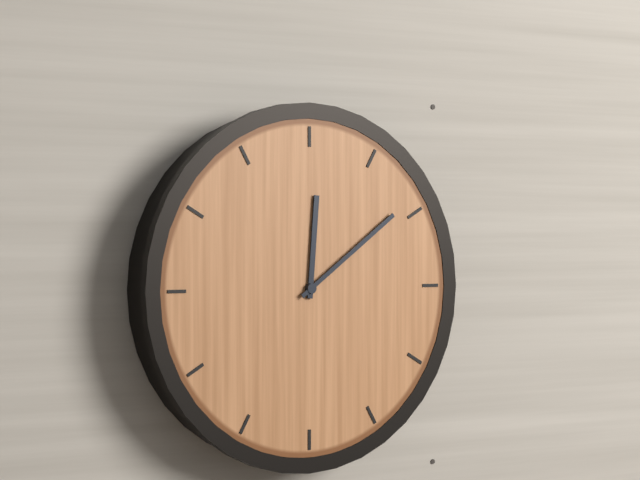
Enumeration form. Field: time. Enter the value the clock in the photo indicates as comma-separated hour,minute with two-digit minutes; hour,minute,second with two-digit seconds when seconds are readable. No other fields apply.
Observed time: 12,09
